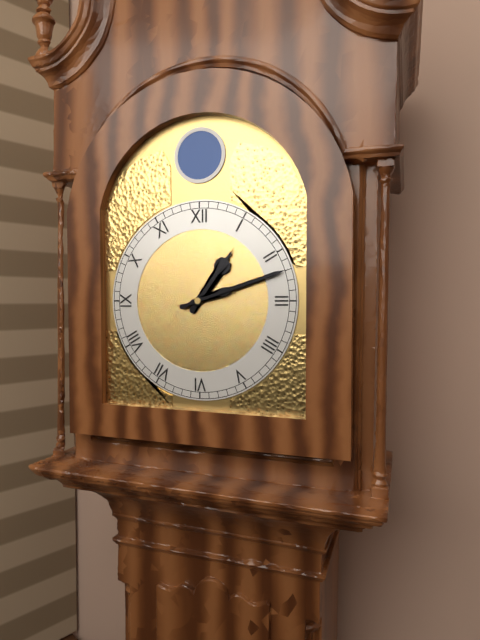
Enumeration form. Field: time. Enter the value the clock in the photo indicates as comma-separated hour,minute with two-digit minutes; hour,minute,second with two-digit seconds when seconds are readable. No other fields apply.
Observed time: 1,12
